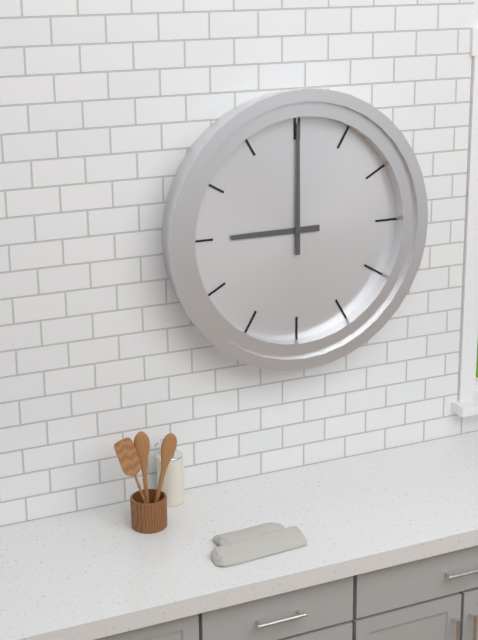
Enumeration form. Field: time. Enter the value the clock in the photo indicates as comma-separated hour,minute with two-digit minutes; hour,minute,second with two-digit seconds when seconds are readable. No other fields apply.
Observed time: 9,00
